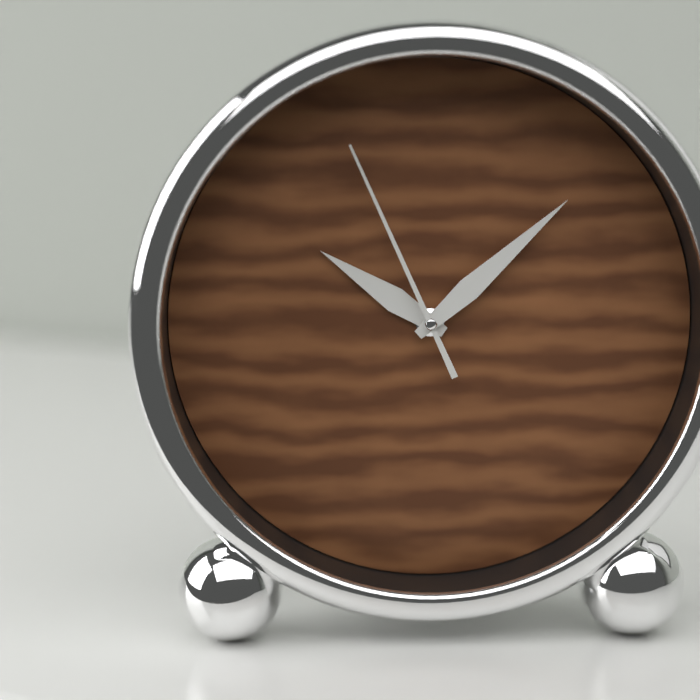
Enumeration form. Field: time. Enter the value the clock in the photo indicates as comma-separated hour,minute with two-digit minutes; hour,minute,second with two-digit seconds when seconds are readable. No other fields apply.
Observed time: 10,08,56
